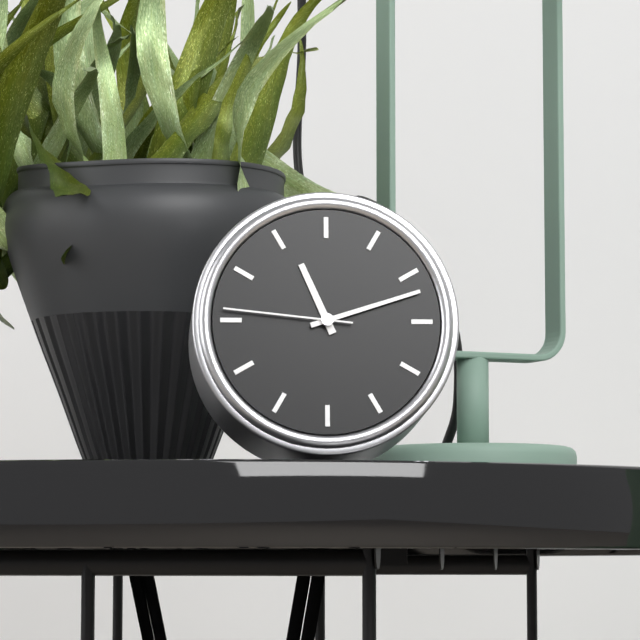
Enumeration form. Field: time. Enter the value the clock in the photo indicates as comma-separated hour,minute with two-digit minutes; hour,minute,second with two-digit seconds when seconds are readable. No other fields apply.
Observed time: 11,12,46
